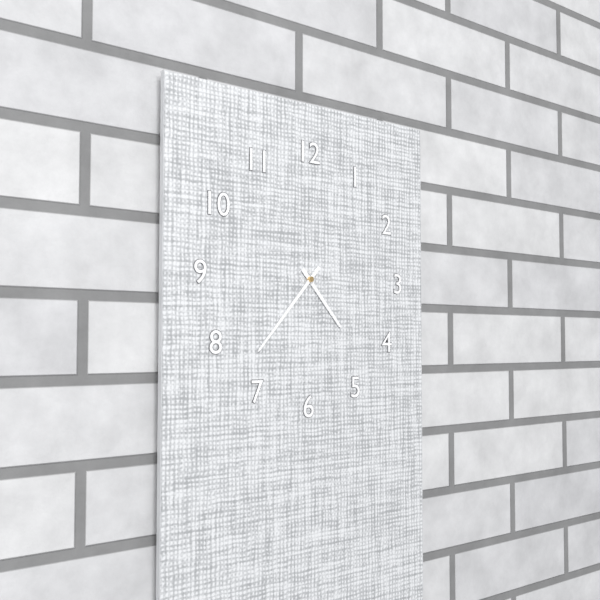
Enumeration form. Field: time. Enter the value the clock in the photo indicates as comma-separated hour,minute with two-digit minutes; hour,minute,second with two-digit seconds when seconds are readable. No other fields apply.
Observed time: 4,37
